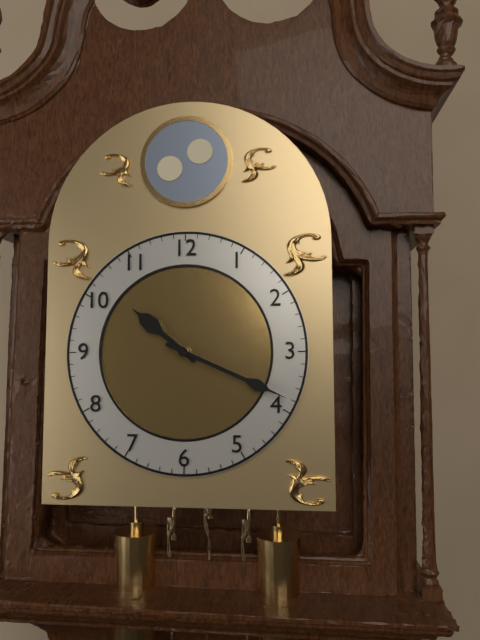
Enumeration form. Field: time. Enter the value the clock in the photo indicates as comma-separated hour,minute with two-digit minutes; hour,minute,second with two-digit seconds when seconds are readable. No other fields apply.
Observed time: 10,19
